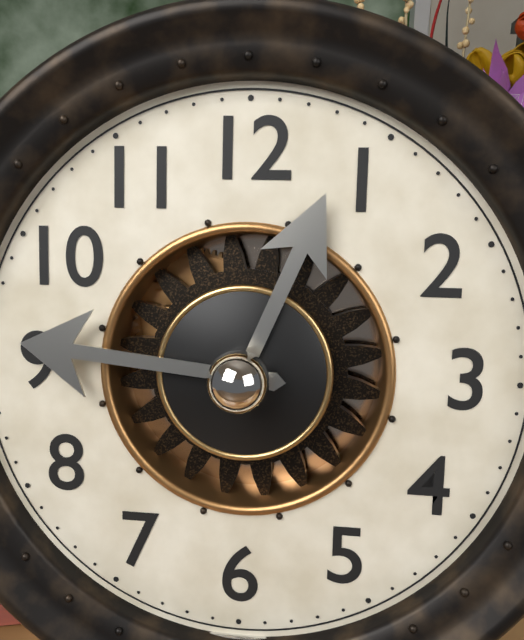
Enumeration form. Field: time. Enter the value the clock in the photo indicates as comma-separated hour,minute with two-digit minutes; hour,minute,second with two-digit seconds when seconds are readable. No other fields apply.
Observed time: 12,46
